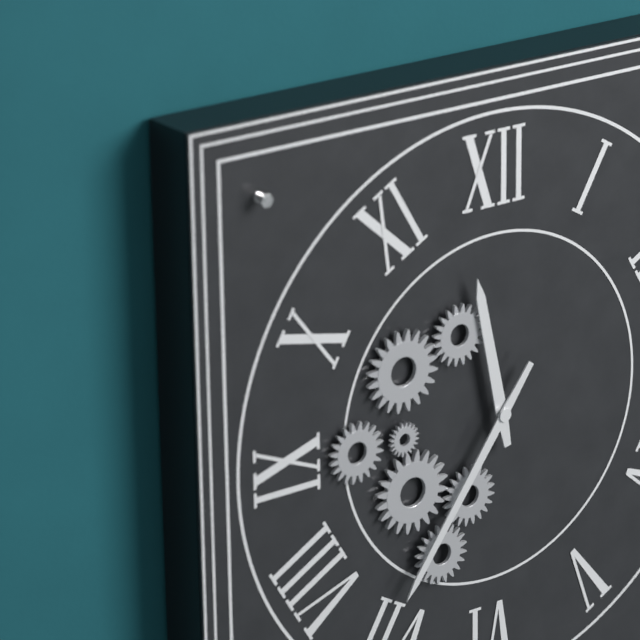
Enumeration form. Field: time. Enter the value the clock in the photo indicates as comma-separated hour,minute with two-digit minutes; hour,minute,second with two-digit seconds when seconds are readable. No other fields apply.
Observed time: 11,36
